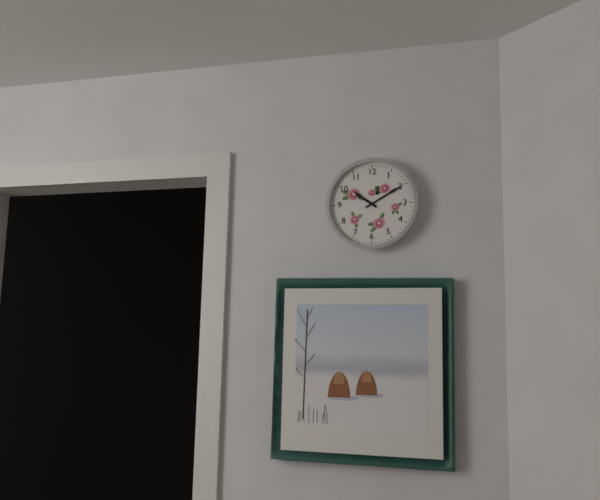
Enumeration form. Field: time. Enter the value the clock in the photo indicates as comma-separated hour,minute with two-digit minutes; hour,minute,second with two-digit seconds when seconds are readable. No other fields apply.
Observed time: 10,10
